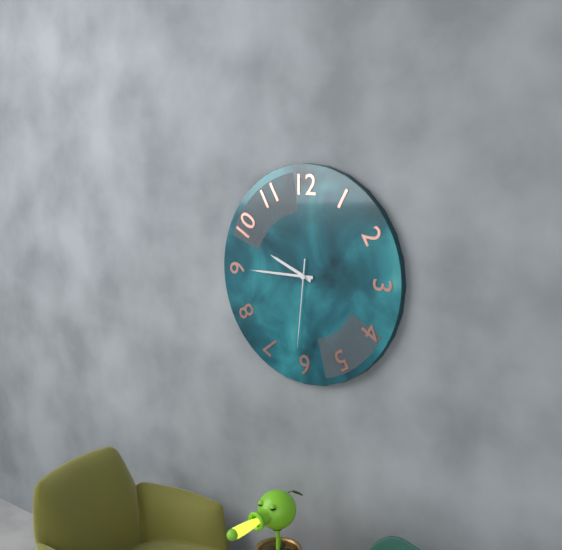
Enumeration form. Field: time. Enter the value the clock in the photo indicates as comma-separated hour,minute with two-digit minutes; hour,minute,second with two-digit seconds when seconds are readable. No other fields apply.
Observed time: 9,45,31
